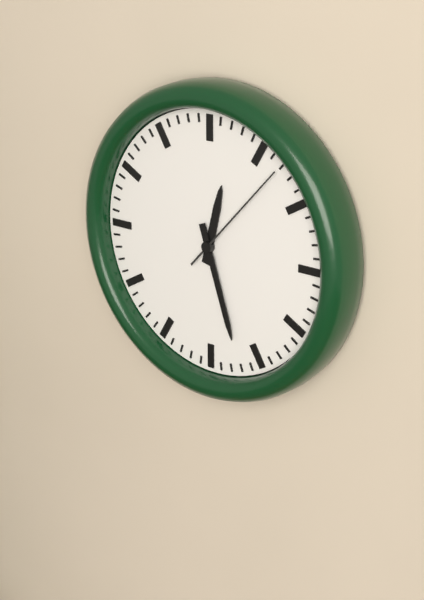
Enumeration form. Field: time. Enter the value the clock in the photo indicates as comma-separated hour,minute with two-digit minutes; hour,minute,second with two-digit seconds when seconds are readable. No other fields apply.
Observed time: 12,27,07
